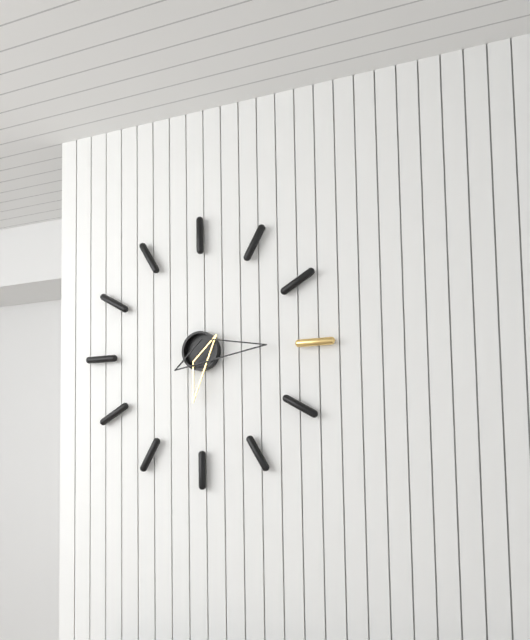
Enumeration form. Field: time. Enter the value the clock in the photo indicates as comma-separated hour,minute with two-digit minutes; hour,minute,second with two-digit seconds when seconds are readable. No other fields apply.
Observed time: 6,15
